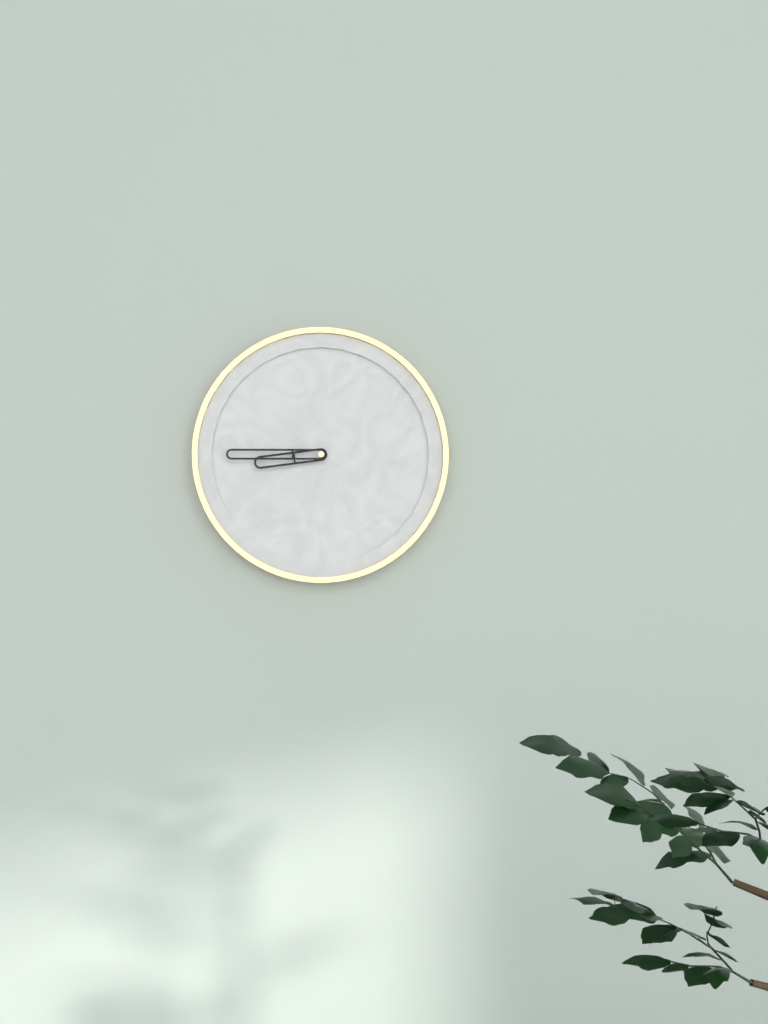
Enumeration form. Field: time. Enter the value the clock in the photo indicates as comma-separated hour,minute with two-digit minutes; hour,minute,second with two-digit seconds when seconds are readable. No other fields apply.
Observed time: 8,45
